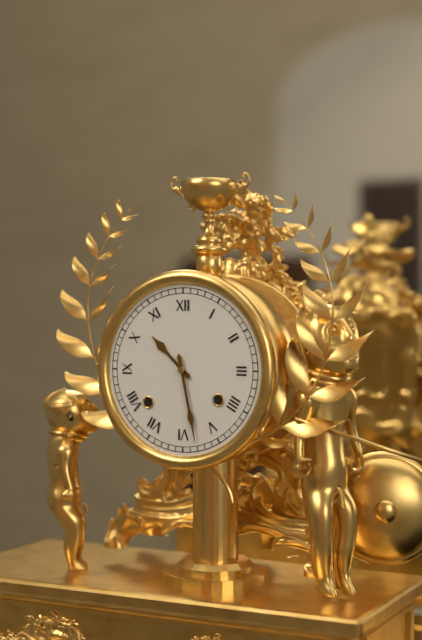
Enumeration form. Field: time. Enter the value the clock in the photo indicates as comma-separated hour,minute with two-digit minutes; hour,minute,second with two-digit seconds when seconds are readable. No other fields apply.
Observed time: 10,28
